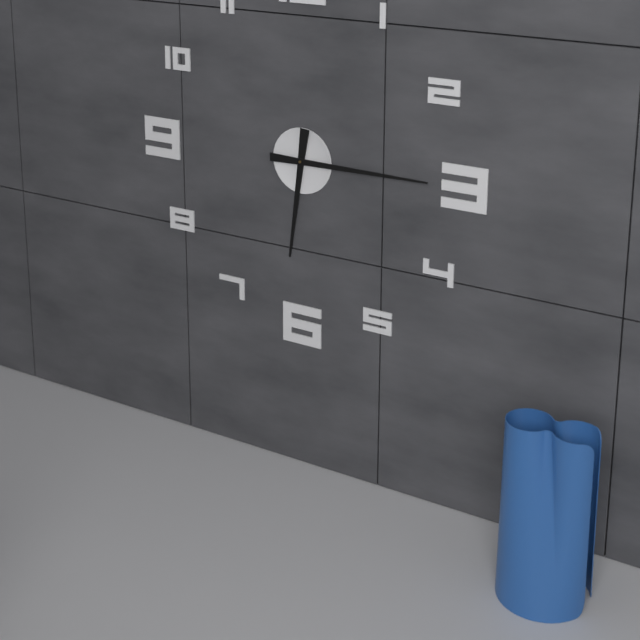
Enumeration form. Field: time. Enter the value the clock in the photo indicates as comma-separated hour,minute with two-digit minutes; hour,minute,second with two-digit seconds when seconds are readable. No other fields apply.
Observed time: 6,15
